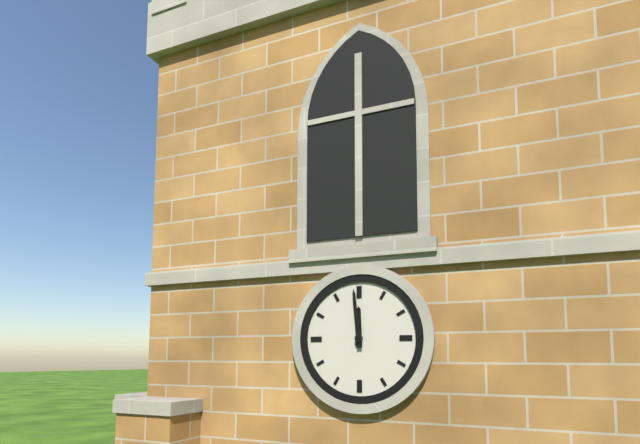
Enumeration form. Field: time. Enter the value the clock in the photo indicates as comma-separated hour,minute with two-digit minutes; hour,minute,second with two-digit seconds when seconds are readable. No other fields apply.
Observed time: 11,59
